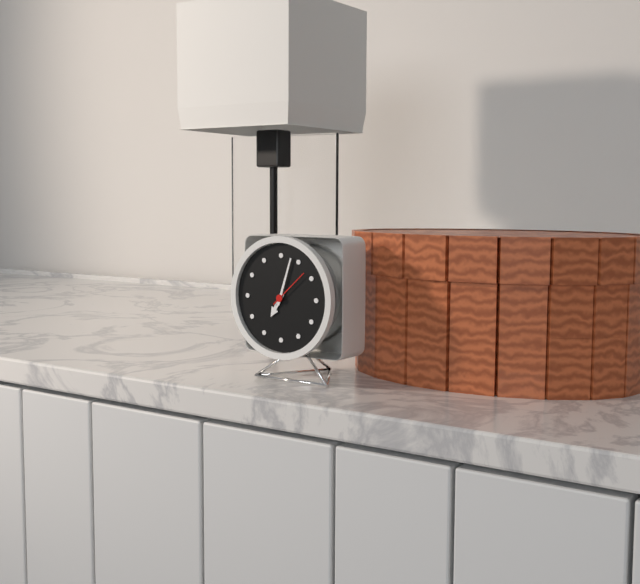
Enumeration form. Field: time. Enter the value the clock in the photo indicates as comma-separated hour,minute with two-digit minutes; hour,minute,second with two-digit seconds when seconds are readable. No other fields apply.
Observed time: 7,03
